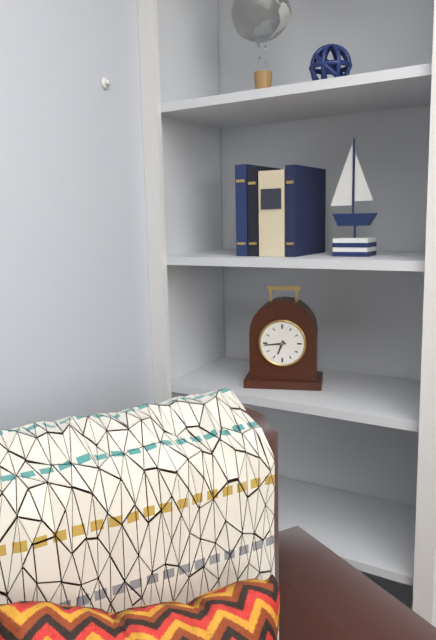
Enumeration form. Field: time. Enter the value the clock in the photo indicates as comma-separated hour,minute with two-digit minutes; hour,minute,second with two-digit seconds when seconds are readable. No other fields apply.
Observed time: 6,44
